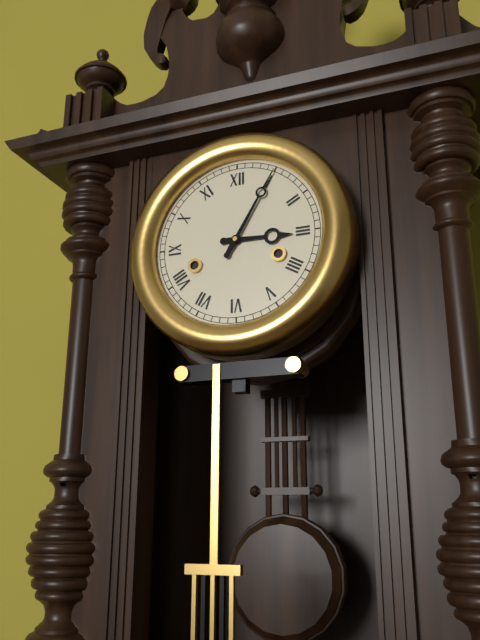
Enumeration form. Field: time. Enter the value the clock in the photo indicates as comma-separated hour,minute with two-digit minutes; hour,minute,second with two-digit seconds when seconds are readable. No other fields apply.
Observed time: 3,05
